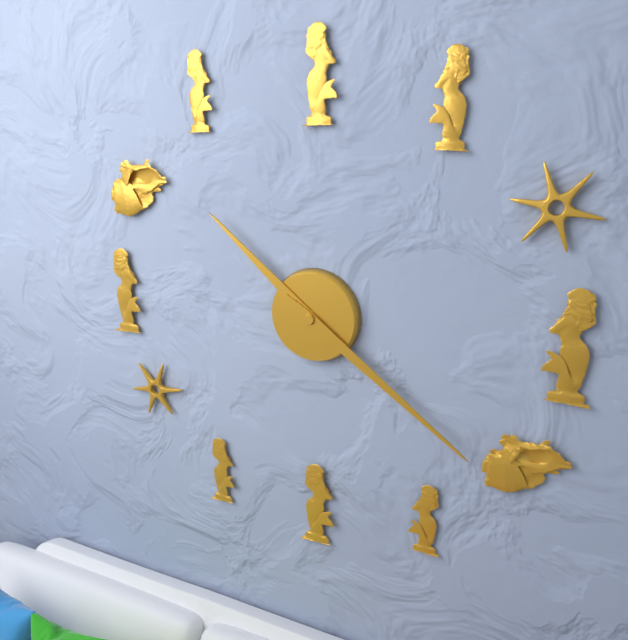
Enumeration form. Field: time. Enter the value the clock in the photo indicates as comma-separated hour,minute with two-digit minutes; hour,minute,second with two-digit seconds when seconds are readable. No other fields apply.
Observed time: 10,21
